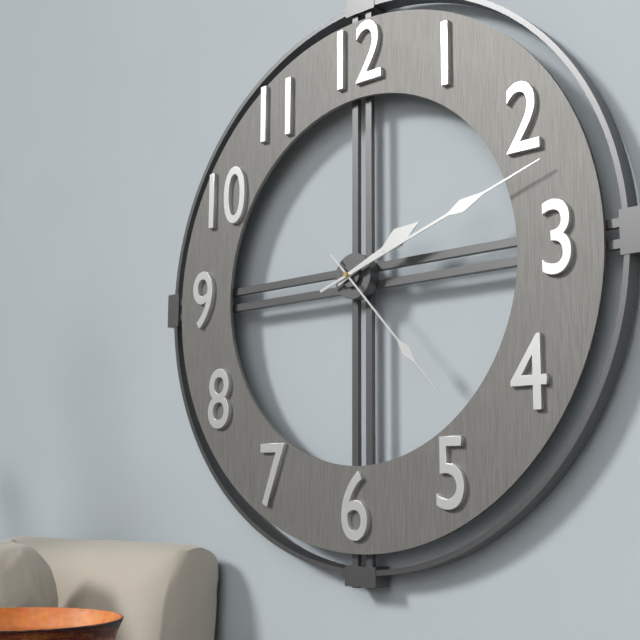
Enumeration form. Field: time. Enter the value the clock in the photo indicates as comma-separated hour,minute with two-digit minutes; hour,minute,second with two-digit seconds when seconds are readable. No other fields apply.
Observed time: 2,12,23
